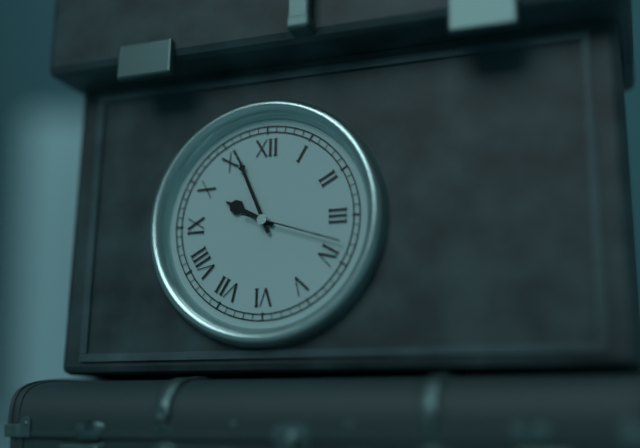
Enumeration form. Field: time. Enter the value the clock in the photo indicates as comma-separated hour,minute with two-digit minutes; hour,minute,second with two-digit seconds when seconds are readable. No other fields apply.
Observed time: 9,56,18
